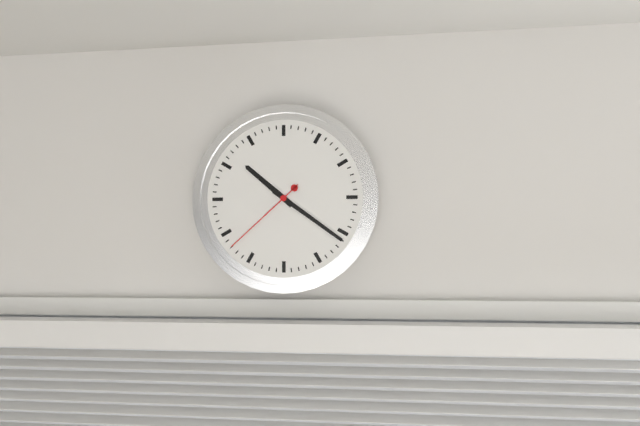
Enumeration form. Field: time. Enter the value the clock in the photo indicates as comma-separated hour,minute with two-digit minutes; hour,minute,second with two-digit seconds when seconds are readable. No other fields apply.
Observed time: 10,21,38
